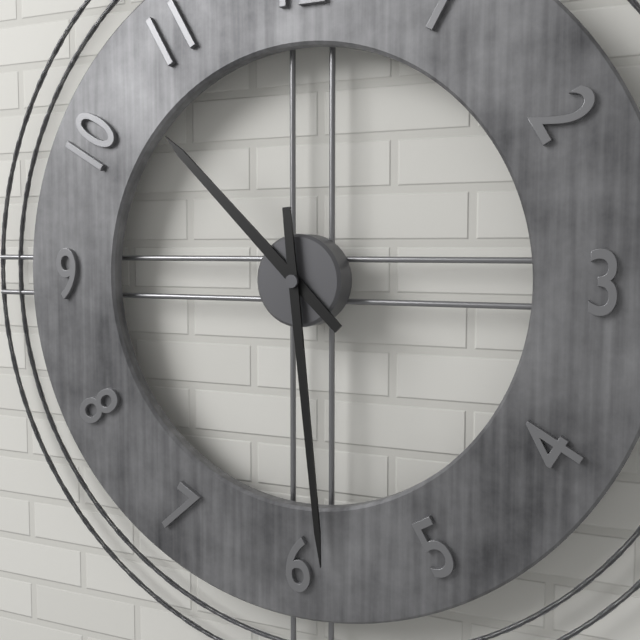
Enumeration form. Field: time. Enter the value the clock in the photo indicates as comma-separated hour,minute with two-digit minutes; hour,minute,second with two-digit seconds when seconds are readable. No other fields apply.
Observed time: 10,29
